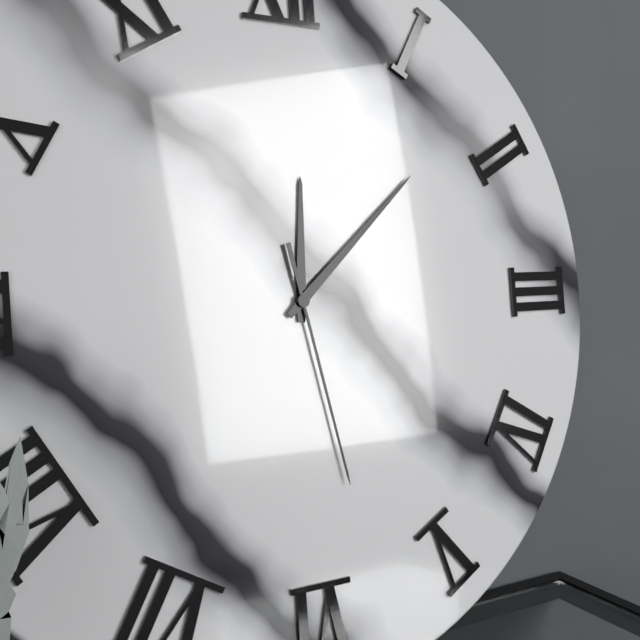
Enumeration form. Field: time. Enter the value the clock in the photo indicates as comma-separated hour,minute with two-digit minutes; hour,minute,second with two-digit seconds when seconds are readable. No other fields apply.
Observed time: 12,08,28
